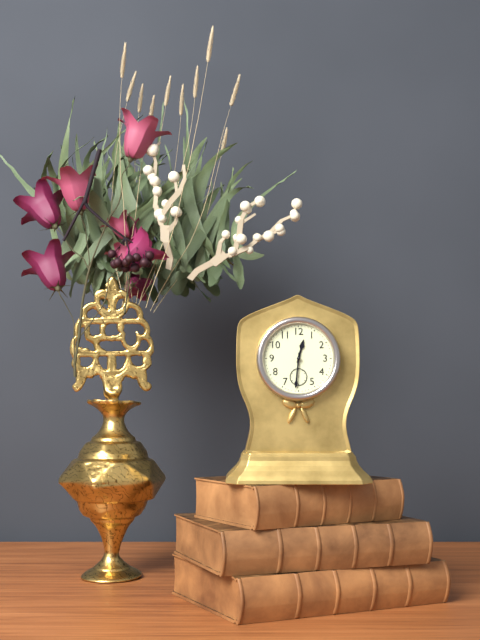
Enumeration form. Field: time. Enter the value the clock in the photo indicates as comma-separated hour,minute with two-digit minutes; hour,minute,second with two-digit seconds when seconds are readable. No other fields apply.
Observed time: 12,31
